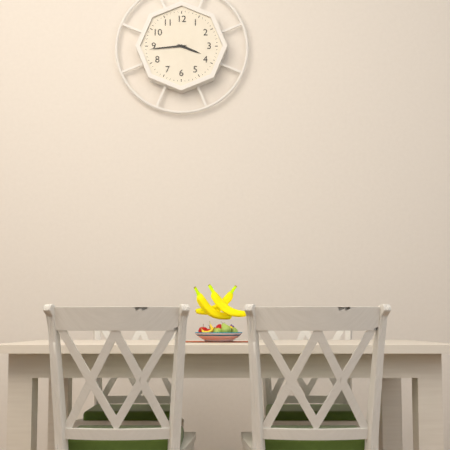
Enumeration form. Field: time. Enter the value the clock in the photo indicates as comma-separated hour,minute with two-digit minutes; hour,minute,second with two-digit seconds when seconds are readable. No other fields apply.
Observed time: 3,44
